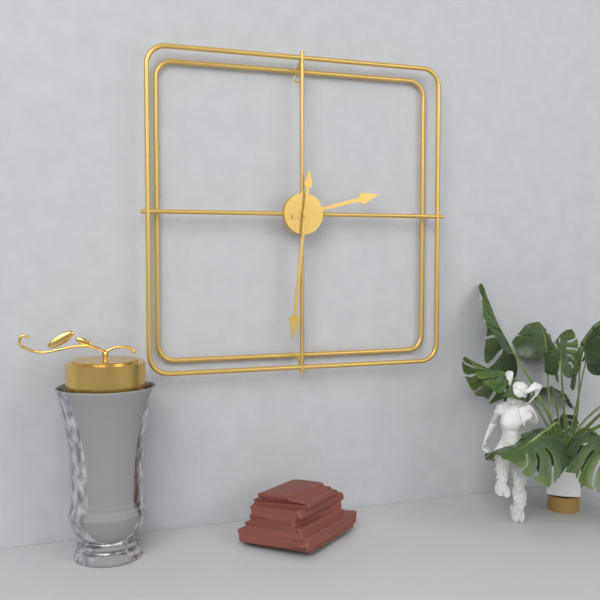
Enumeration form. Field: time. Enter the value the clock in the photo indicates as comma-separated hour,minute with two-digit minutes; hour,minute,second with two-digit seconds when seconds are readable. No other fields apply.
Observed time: 2,31
